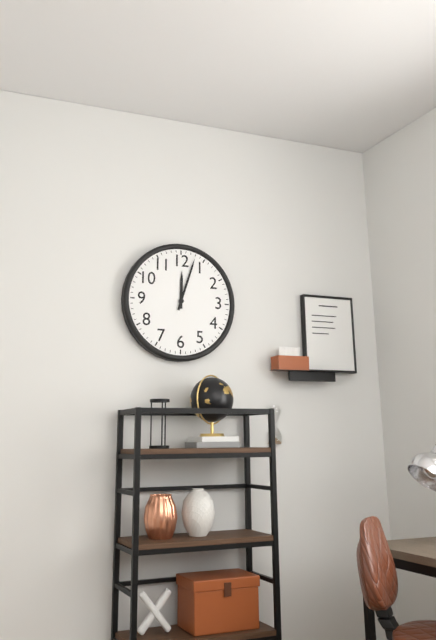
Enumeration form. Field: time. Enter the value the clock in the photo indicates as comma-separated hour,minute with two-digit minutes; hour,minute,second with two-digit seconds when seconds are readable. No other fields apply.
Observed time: 12,03
